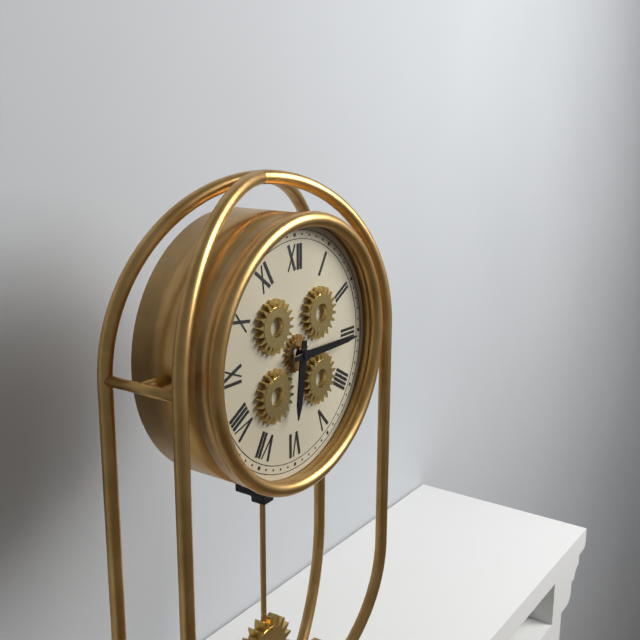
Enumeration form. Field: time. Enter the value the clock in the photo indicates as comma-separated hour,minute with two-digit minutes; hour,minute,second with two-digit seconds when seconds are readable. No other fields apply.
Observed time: 6,15
